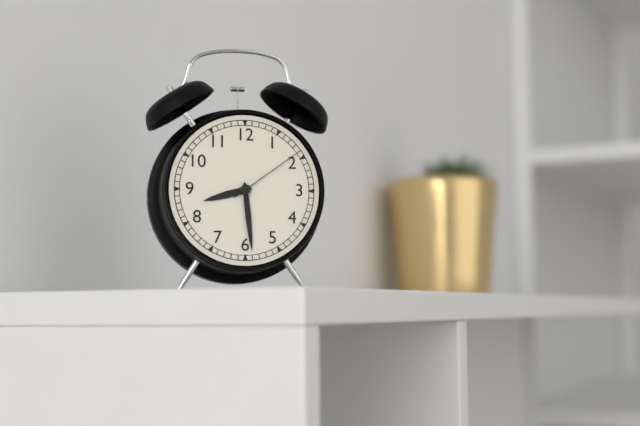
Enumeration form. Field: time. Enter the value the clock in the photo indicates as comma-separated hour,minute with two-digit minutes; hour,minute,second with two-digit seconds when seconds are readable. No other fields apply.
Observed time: 8,29,09
